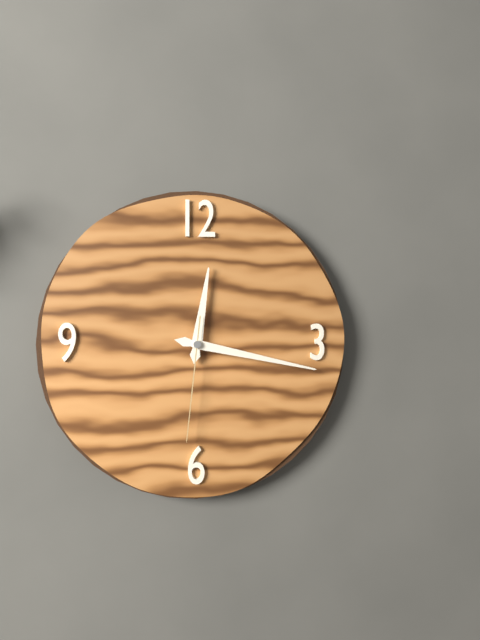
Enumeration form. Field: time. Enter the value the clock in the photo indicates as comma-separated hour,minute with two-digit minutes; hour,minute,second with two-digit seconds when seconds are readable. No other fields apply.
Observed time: 12,17,31
